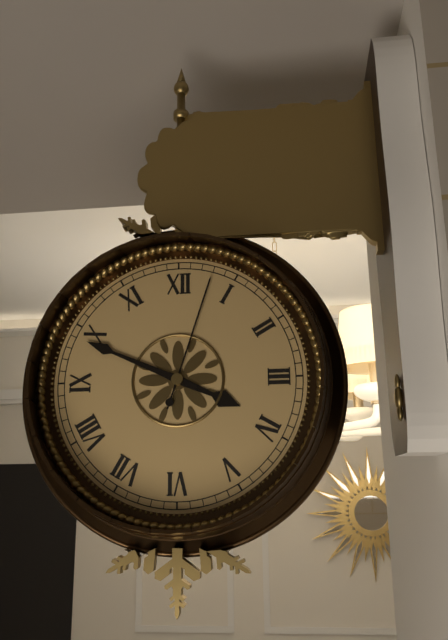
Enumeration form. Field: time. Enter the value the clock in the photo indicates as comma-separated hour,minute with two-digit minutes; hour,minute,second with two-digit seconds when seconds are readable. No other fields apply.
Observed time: 3,49,03
